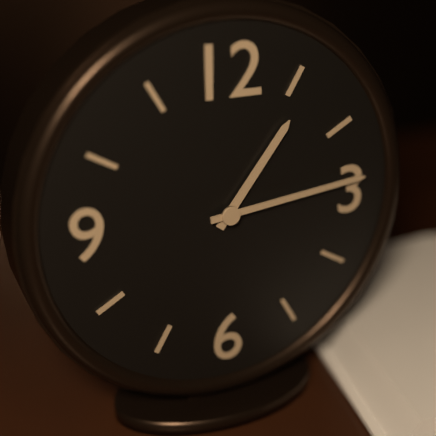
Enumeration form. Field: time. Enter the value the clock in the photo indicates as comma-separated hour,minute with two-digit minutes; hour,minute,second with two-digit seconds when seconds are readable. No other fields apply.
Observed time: 1,14
